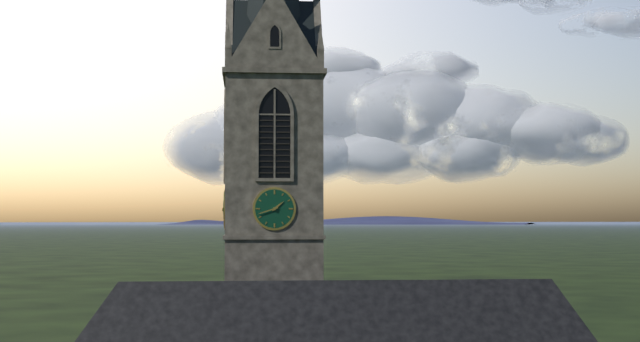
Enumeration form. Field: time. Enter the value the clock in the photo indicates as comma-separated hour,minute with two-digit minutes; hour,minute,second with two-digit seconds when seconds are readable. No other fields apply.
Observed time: 1,42
